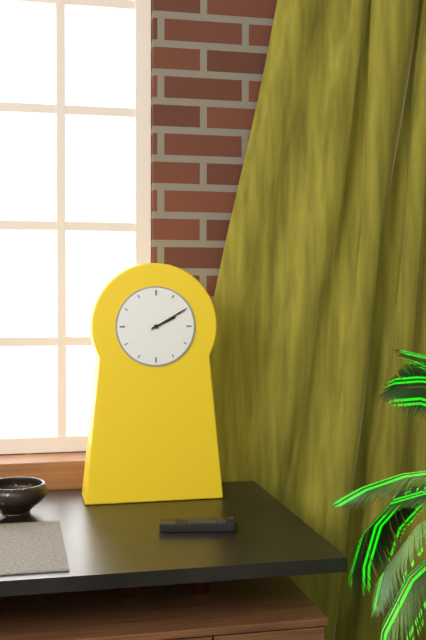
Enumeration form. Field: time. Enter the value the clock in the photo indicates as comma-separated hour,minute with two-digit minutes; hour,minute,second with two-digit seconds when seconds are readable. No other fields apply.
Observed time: 2,10
